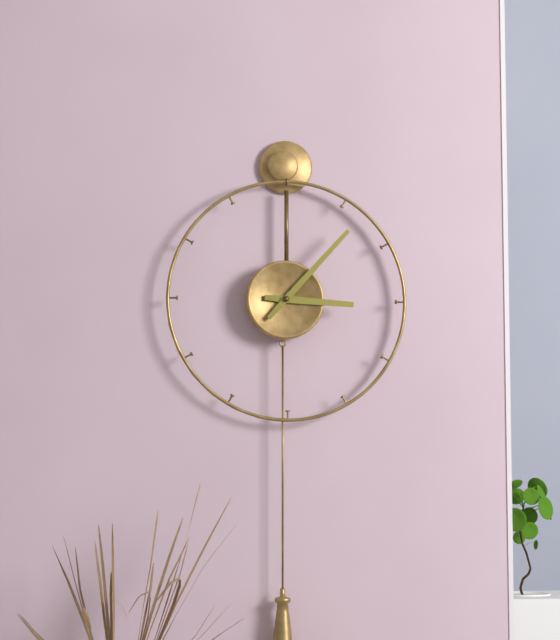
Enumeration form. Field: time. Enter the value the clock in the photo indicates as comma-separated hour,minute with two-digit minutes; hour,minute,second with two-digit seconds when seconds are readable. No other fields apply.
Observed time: 3,07
